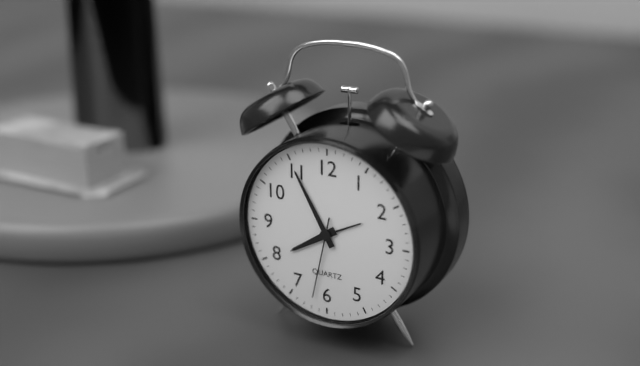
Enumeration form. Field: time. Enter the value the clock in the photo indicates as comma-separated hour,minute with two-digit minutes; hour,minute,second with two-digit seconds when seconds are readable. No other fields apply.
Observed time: 7,55,32
